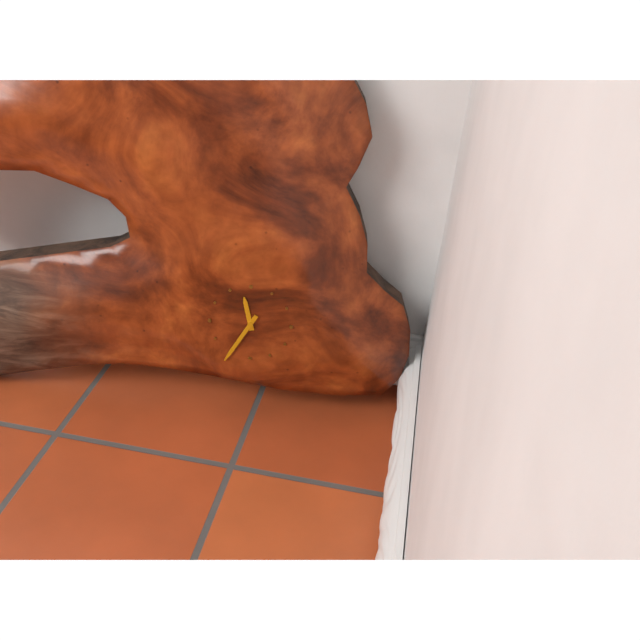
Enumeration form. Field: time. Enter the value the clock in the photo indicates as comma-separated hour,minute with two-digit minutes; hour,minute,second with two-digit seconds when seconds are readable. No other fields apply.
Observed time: 11,35
